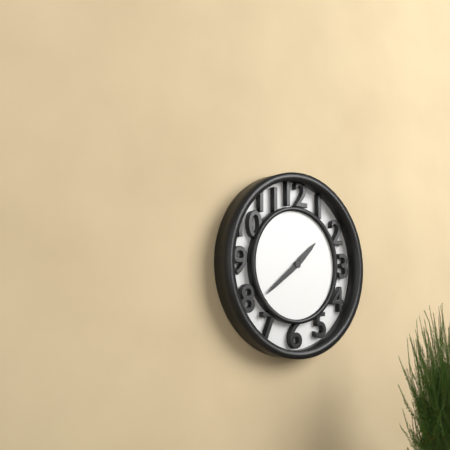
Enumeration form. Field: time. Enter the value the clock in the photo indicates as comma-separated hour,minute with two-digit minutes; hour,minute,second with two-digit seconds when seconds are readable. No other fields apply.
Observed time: 1,39
